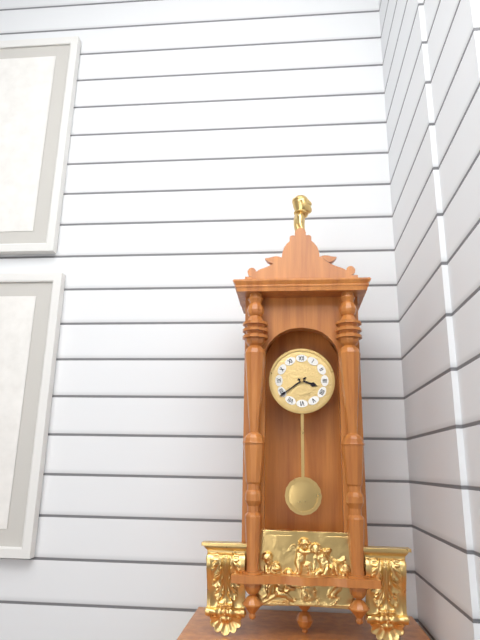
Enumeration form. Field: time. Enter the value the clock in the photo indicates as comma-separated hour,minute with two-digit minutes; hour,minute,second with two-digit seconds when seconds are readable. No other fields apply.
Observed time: 3,39
